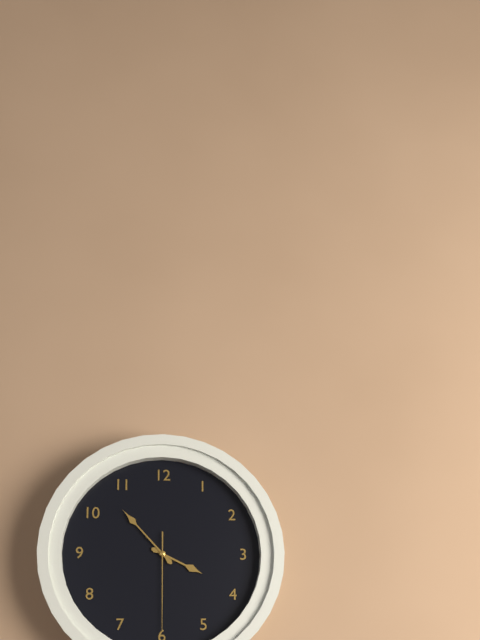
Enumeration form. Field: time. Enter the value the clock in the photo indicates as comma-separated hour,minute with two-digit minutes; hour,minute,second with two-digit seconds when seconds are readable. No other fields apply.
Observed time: 3,53,30
